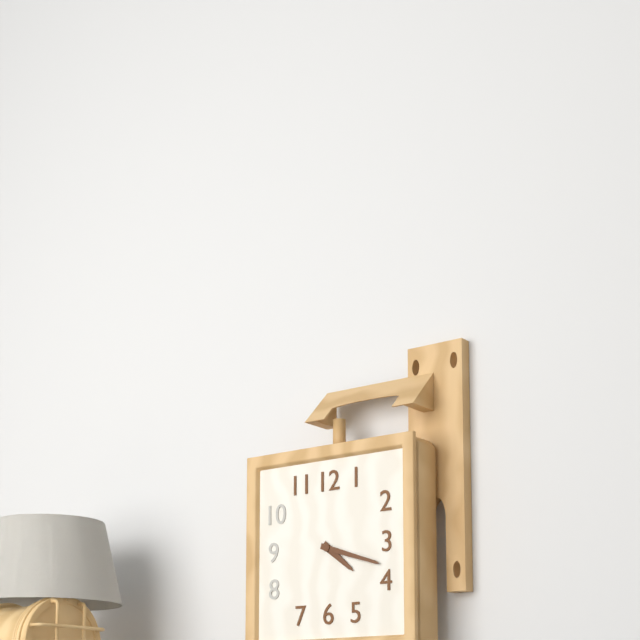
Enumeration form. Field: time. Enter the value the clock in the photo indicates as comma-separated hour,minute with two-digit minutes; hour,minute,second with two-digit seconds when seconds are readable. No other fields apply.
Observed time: 4,18
